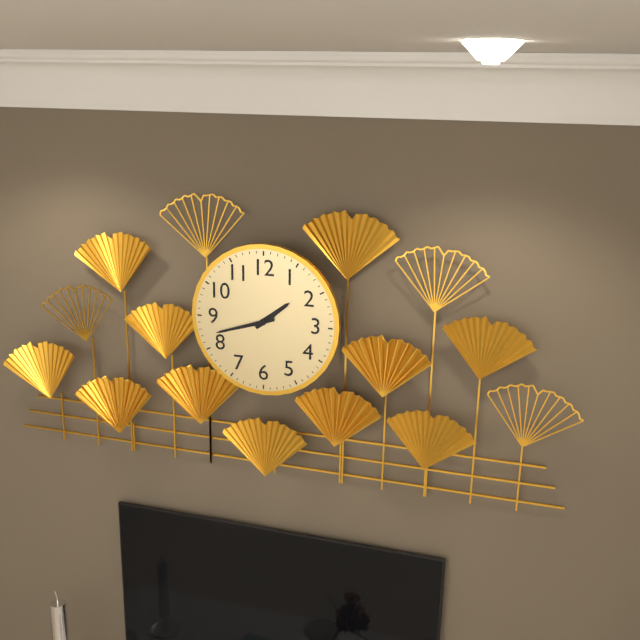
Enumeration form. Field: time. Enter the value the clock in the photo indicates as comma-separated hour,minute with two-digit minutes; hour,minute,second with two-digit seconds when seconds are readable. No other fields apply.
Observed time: 1,42
